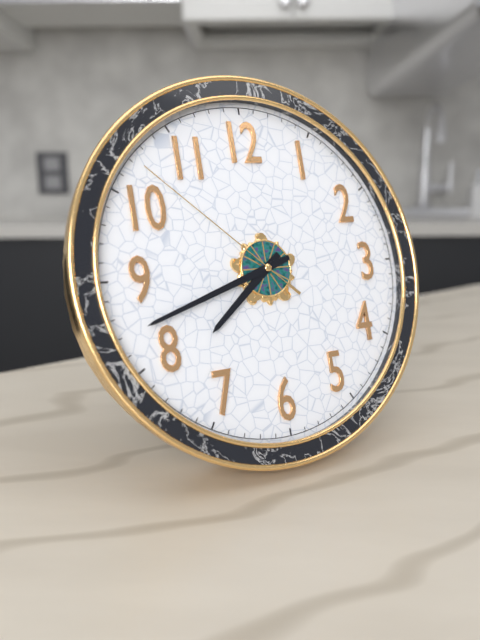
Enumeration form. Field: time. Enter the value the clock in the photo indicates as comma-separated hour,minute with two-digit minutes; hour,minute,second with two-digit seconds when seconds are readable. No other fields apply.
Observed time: 7,42,52
